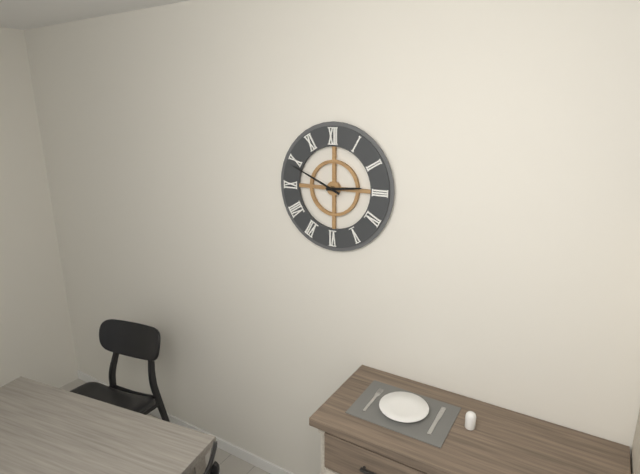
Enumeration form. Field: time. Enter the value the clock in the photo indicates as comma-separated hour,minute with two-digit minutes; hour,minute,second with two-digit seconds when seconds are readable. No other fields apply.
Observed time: 2,49
